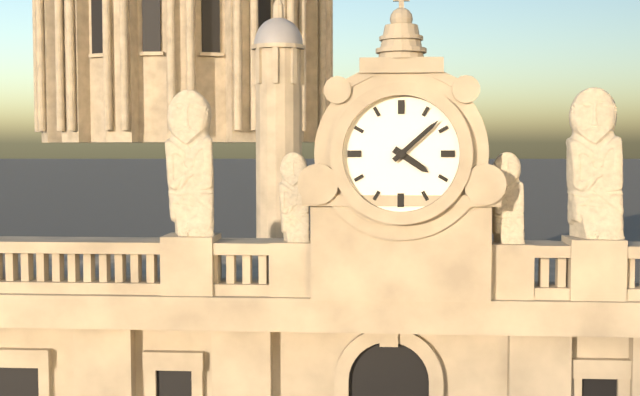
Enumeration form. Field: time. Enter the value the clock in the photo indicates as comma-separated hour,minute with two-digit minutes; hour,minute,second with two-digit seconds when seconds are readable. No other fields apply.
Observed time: 4,08
